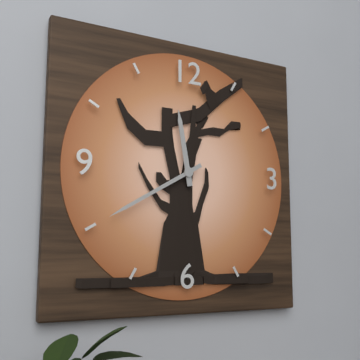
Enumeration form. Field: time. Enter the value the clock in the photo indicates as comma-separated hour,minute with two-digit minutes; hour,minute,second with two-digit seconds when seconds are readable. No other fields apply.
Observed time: 11,40
